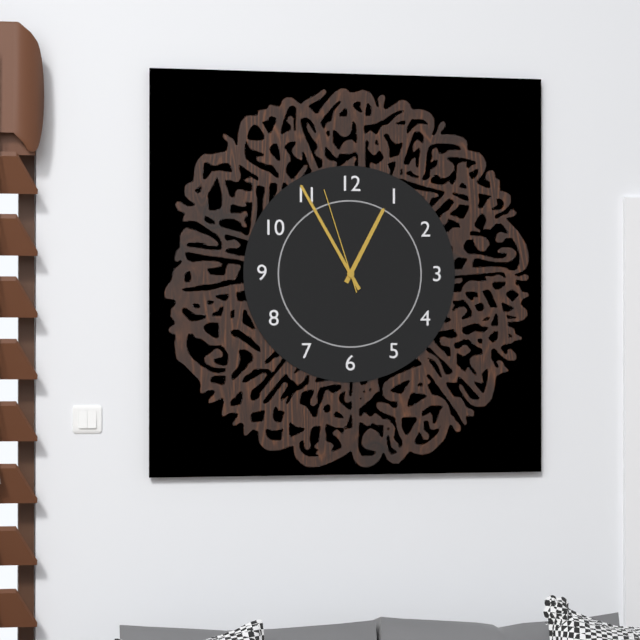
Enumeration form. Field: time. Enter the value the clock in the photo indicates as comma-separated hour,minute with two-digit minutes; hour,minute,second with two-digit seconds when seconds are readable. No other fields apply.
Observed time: 12,55,57
